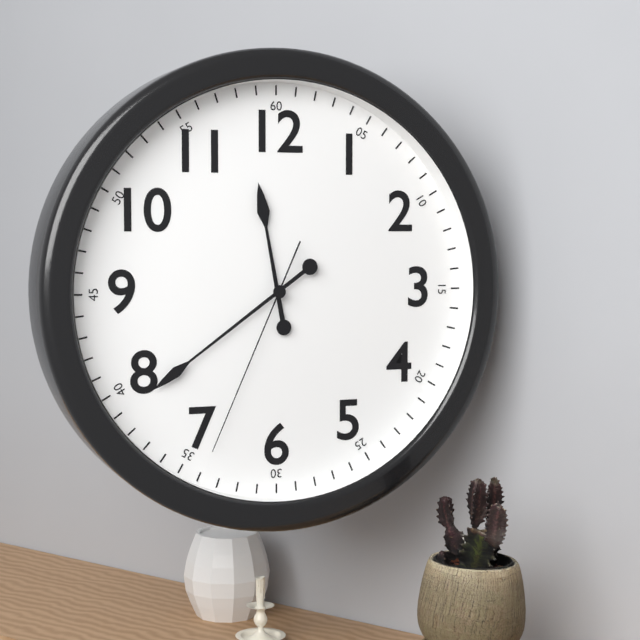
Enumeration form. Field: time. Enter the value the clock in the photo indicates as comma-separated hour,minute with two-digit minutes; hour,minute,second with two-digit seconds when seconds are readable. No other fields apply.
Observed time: 11,39,34
